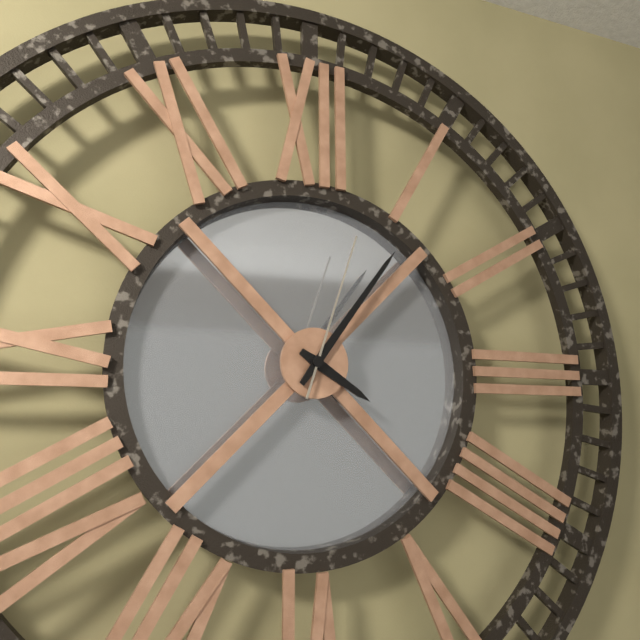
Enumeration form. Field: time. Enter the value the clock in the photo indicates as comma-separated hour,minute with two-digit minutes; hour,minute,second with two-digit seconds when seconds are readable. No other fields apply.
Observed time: 4,06,03
